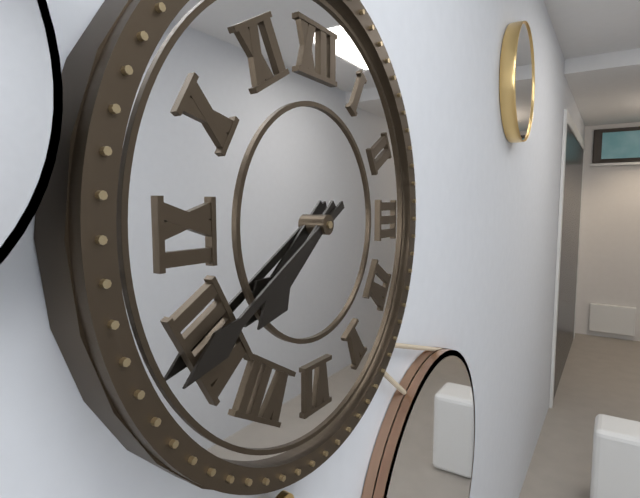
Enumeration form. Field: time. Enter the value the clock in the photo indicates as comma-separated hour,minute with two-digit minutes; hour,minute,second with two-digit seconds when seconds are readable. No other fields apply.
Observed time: 7,40
